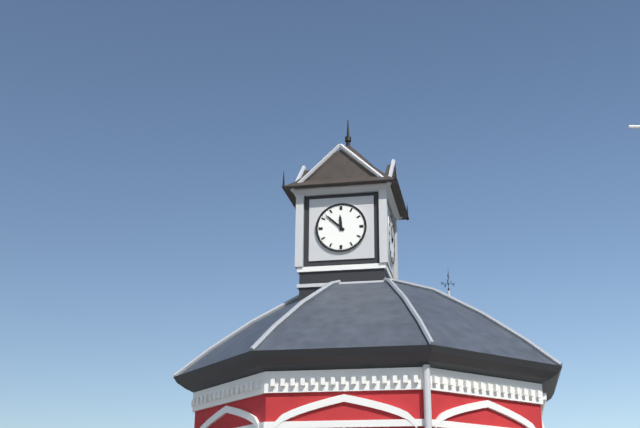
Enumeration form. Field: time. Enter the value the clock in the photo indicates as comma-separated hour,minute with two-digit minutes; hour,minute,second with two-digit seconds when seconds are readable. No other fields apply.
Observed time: 11,52
